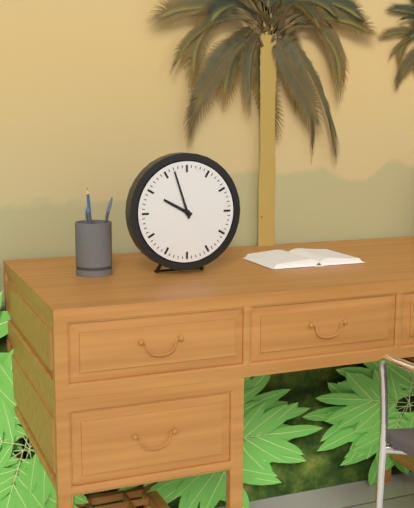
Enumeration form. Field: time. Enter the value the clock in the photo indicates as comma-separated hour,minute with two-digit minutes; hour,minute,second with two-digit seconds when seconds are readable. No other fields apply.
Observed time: 9,57
